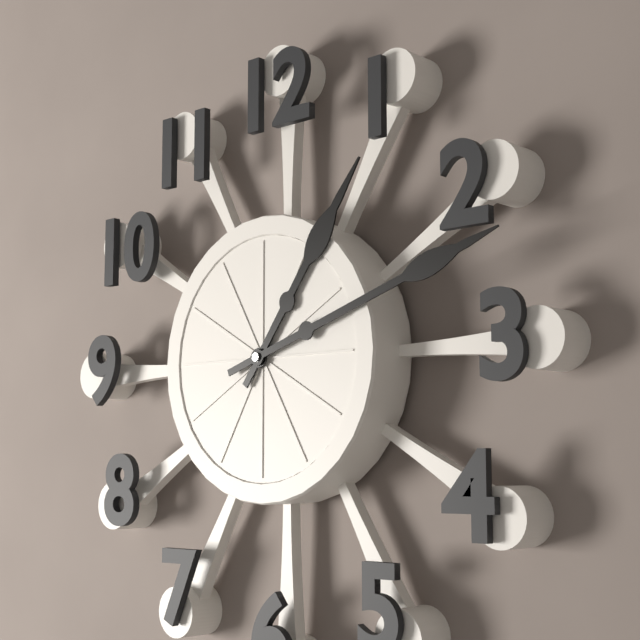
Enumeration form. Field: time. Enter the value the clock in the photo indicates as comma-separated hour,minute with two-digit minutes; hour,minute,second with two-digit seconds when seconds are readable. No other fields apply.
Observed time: 1,12
